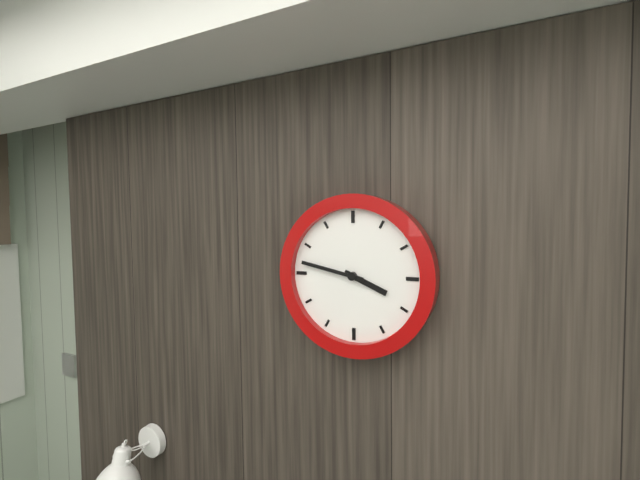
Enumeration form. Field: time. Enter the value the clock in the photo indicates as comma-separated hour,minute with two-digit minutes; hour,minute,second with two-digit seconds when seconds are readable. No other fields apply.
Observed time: 3,47
